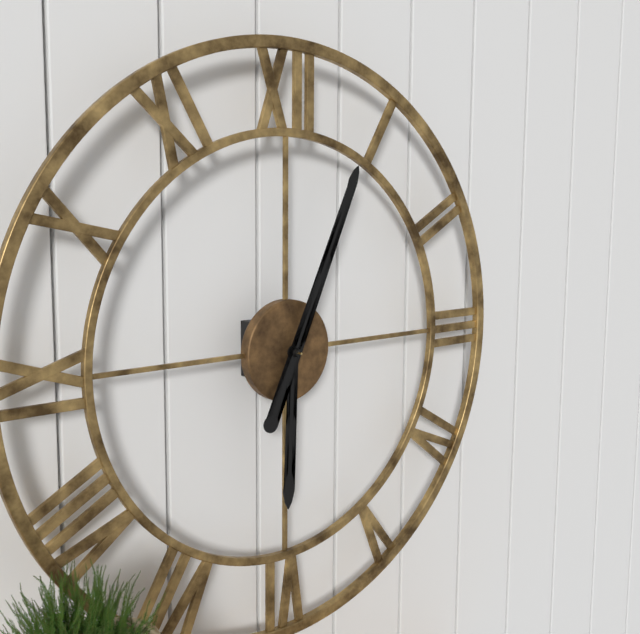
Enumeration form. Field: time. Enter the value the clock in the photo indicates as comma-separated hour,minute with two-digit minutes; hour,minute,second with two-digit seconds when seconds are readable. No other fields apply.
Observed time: 6,04
